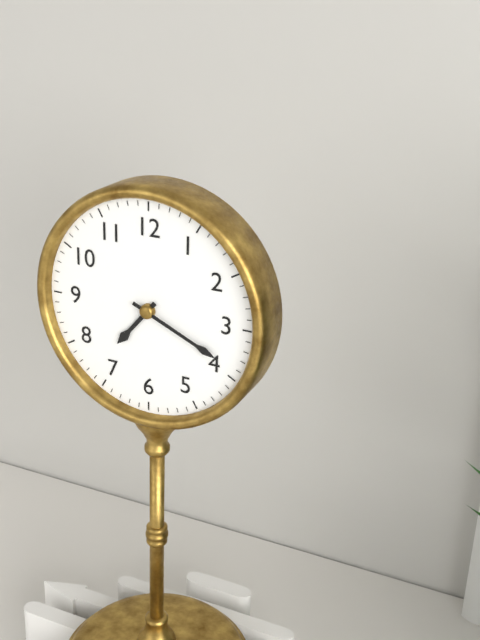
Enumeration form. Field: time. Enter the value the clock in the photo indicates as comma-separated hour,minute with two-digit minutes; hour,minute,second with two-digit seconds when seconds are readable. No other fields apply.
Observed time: 7,19
